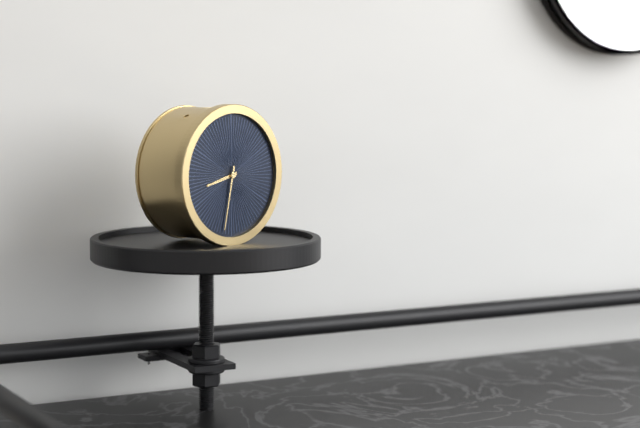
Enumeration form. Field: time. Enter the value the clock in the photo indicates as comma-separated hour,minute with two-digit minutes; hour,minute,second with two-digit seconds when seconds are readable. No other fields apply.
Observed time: 8,32
